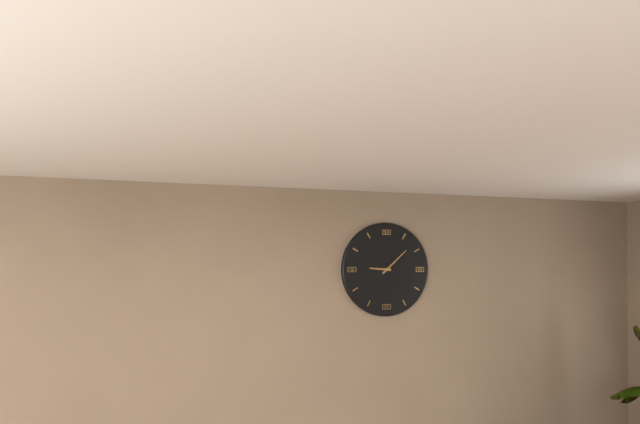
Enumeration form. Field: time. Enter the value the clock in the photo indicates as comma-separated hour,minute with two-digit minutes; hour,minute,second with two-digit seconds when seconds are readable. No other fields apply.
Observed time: 9,08
